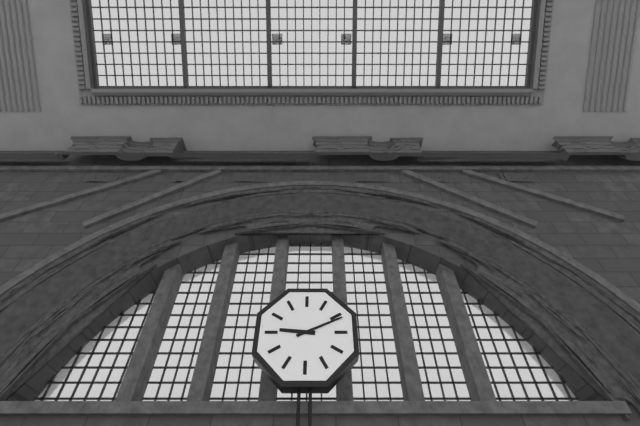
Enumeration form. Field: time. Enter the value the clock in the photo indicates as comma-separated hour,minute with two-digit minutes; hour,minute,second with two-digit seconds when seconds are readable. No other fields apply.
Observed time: 9,11
